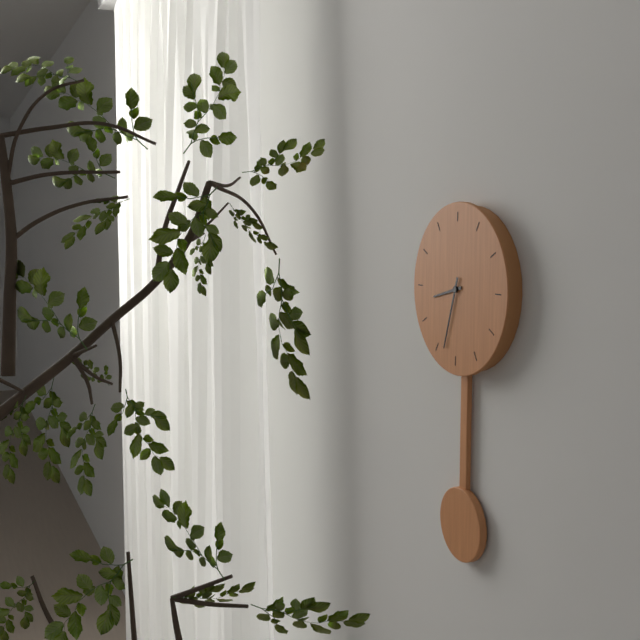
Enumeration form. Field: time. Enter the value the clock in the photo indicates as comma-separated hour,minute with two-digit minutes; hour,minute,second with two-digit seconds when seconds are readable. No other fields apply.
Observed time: 8,33
